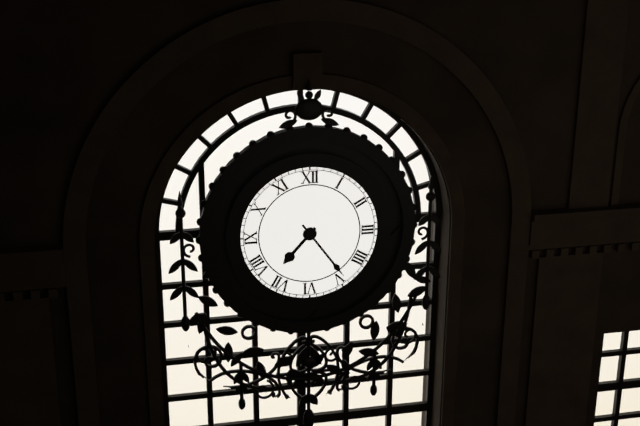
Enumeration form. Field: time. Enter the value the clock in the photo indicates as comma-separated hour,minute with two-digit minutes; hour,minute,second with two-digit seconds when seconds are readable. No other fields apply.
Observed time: 7,24
